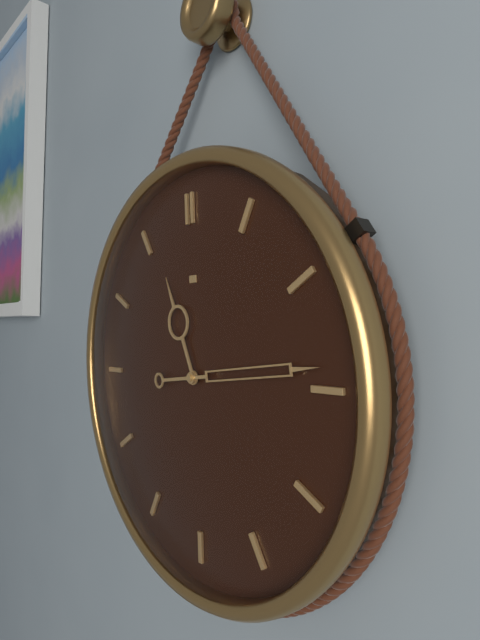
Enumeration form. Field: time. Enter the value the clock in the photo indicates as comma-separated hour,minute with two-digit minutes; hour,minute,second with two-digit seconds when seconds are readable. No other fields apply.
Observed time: 11,14
